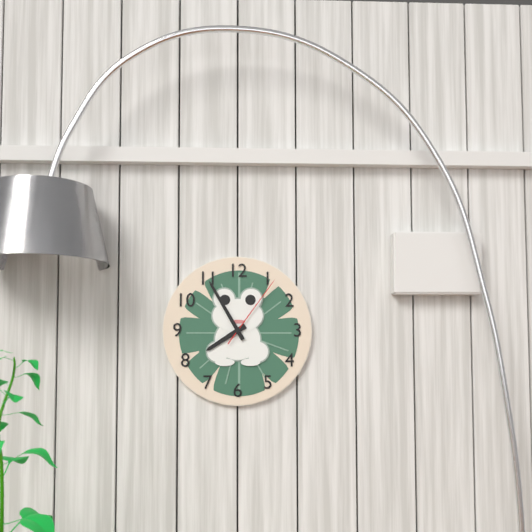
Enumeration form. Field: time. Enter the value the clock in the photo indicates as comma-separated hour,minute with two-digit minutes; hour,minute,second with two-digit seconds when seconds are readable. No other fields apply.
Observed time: 7,55,06
